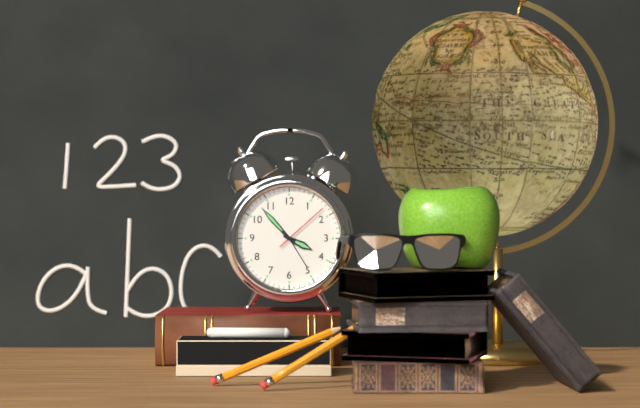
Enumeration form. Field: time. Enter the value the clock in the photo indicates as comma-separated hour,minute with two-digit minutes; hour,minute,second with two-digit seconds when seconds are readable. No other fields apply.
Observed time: 3,53,08
